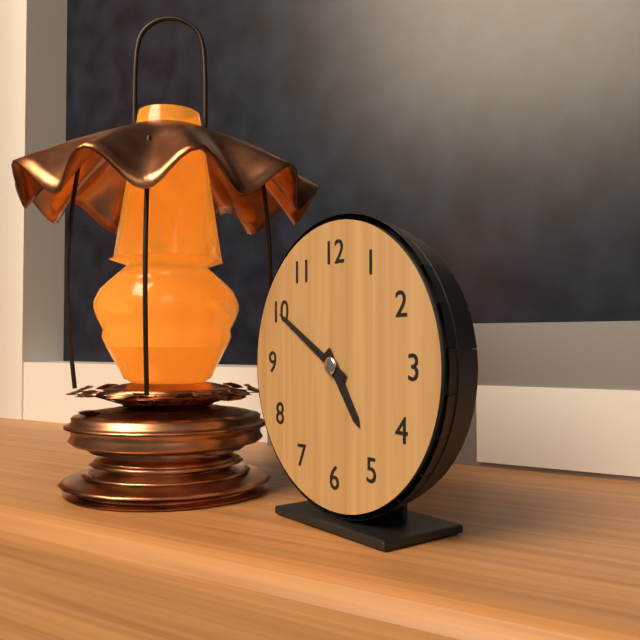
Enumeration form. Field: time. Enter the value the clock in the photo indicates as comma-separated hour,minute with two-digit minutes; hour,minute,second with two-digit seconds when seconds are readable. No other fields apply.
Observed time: 4,50
